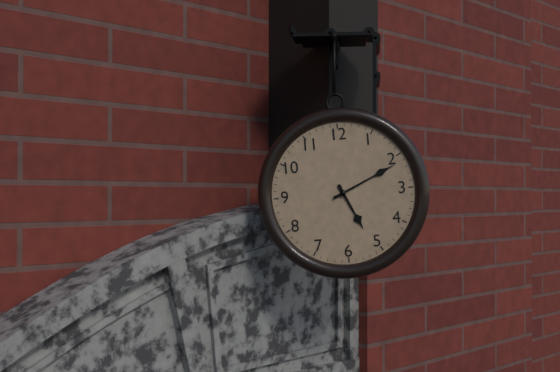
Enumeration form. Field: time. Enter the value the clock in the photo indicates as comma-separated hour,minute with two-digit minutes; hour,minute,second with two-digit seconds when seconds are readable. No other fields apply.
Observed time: 5,11
